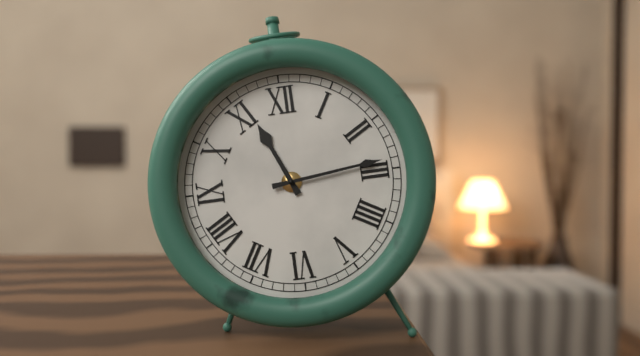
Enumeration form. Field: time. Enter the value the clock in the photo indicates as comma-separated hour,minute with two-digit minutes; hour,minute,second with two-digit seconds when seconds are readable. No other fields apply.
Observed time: 11,14
